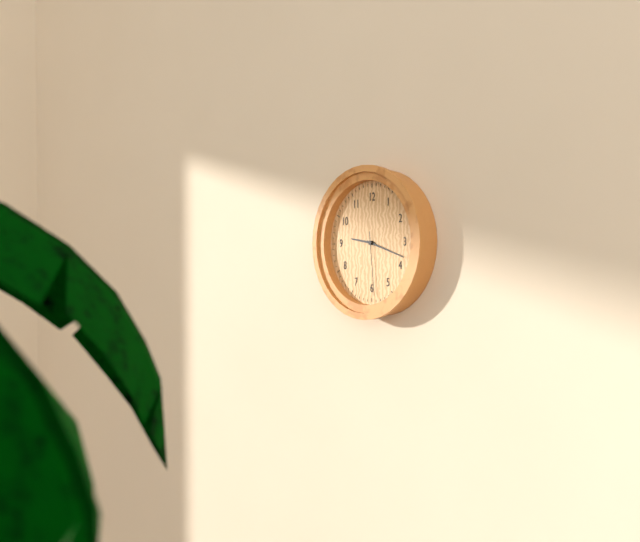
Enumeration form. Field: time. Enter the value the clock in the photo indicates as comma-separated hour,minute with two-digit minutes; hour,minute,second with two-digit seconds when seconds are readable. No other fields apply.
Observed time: 9,18,29
